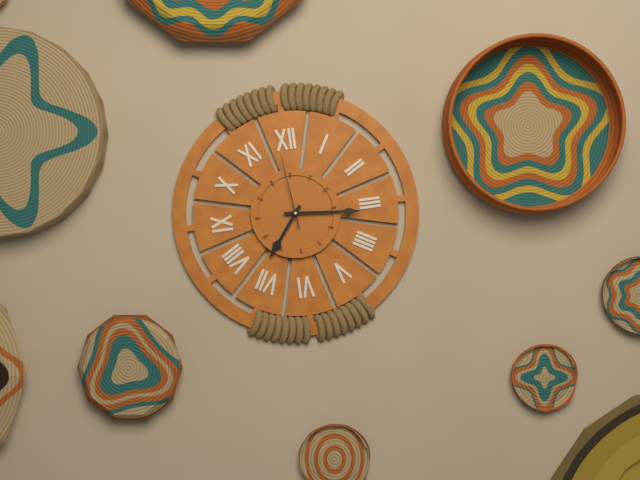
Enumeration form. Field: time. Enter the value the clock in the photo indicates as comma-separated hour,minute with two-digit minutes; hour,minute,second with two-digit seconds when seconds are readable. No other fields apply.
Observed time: 7,16,59
